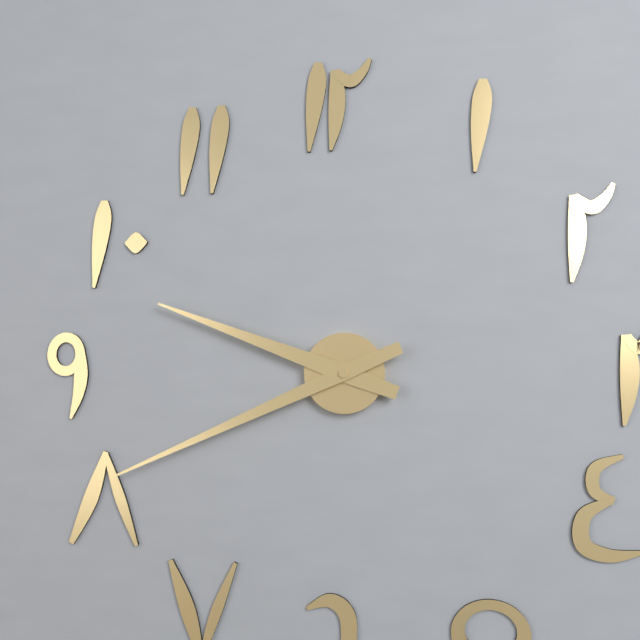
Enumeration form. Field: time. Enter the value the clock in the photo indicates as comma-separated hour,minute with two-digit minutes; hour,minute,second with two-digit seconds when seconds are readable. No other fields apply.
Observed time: 9,41
